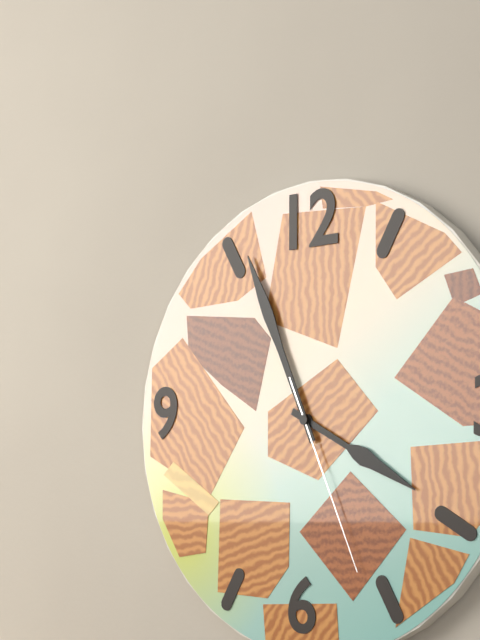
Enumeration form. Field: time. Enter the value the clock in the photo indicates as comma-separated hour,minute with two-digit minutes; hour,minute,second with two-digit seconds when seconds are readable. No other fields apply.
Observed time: 3,56,26
